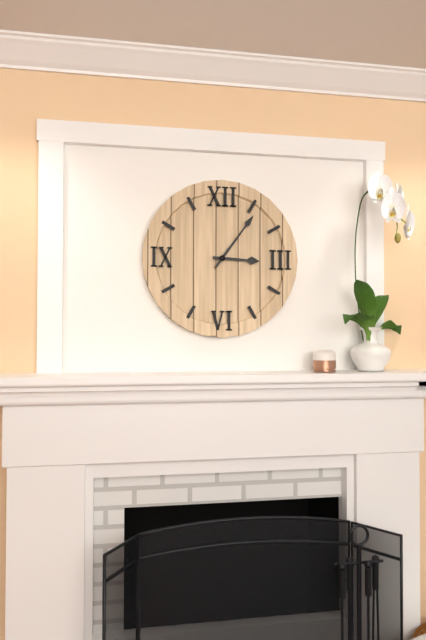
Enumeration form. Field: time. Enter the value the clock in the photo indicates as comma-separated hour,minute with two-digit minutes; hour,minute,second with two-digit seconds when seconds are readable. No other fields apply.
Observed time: 3,06
